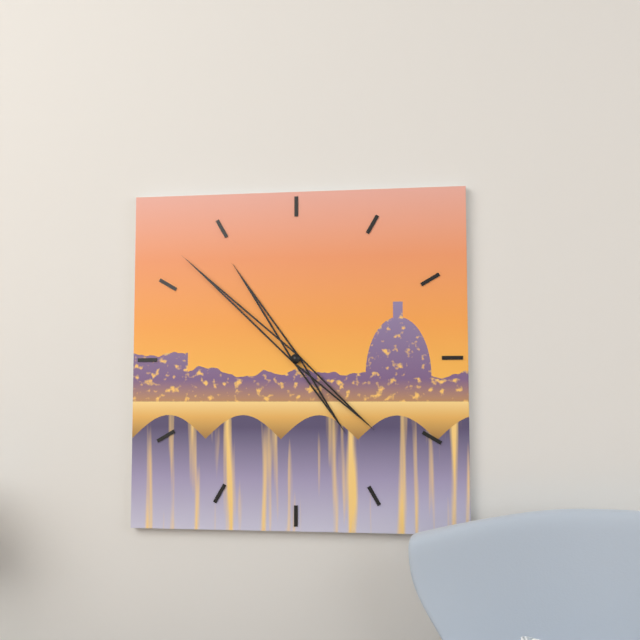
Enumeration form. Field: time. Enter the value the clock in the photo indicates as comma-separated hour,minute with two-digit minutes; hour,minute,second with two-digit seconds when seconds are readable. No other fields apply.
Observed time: 10,52
